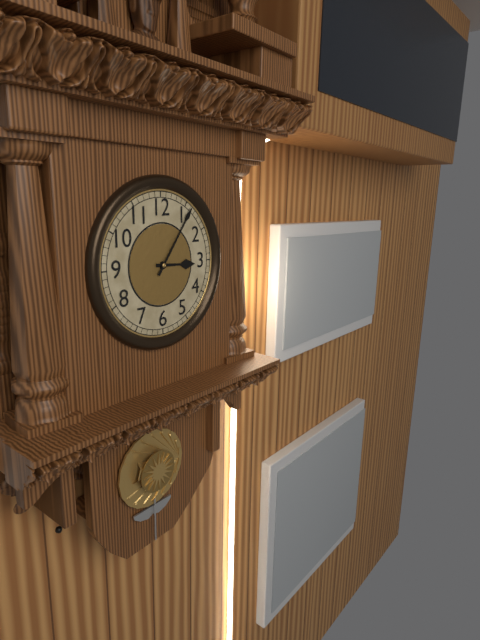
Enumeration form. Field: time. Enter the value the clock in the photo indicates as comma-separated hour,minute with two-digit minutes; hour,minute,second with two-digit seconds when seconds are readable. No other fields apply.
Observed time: 3,06
